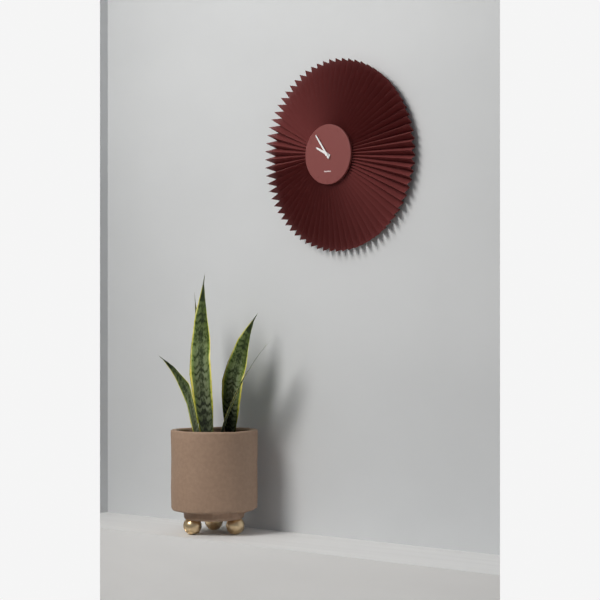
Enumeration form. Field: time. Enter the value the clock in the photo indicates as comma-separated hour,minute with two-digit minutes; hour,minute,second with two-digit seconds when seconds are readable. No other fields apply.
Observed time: 9,54
